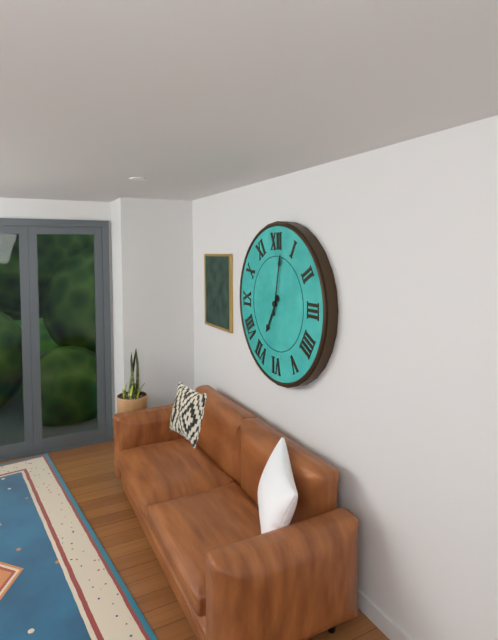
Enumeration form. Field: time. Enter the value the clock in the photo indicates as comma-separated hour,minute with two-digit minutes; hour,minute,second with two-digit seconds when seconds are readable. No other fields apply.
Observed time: 7,02
